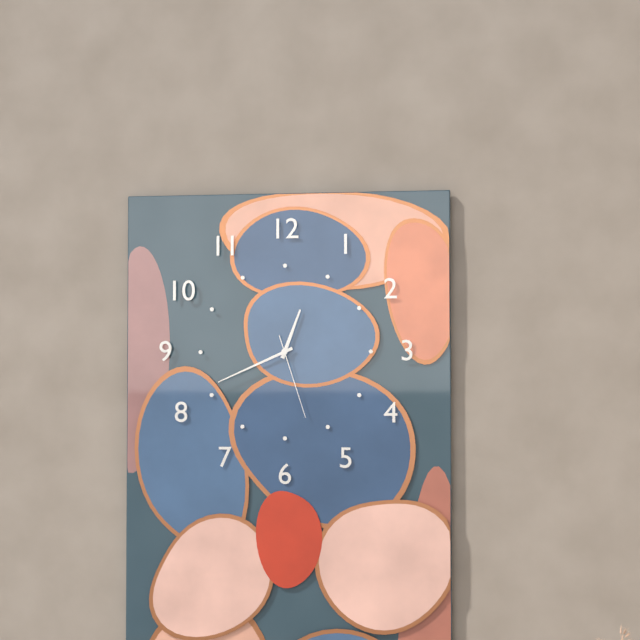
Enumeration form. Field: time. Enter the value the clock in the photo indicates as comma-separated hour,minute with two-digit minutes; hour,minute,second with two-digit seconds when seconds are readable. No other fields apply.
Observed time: 12,41,27
